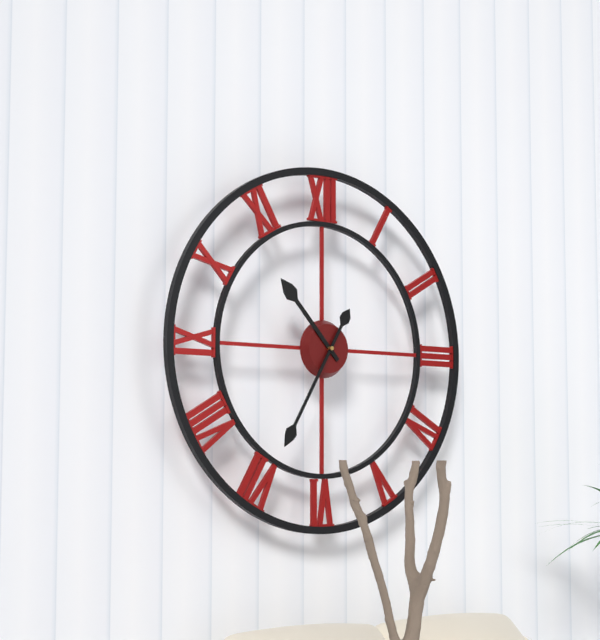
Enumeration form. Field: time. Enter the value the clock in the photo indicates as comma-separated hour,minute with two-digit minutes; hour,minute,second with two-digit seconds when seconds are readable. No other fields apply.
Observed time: 10,35
